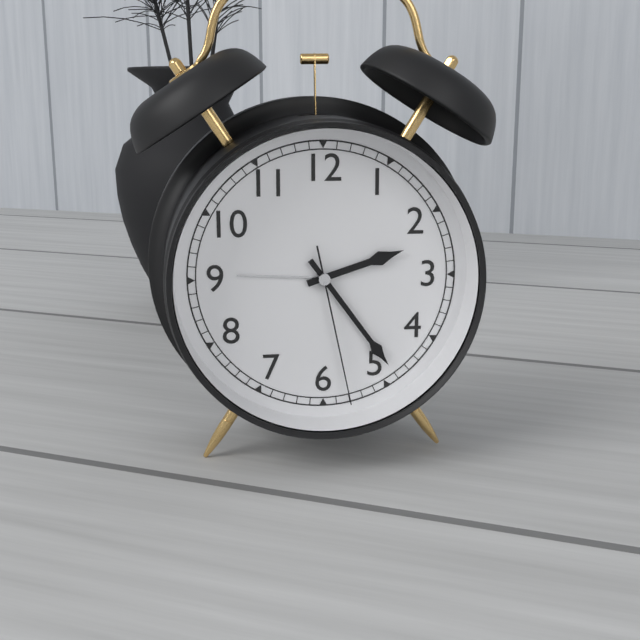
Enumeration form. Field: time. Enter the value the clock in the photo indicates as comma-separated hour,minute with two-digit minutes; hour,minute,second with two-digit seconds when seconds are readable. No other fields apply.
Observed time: 2,24,28
